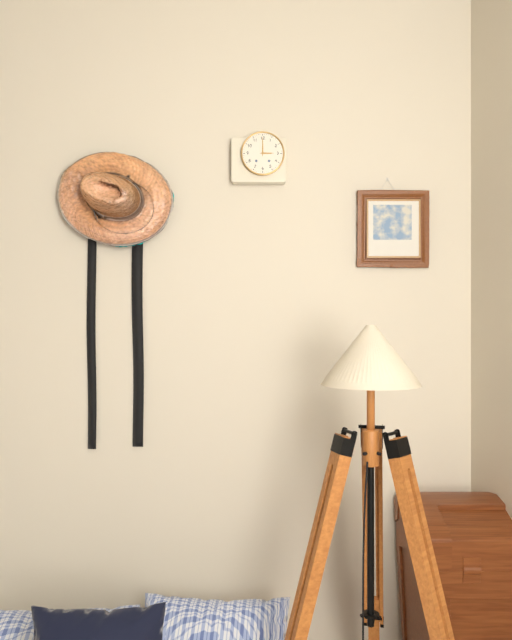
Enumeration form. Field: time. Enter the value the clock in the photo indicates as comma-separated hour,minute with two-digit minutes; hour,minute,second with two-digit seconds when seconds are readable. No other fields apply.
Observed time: 3,00
